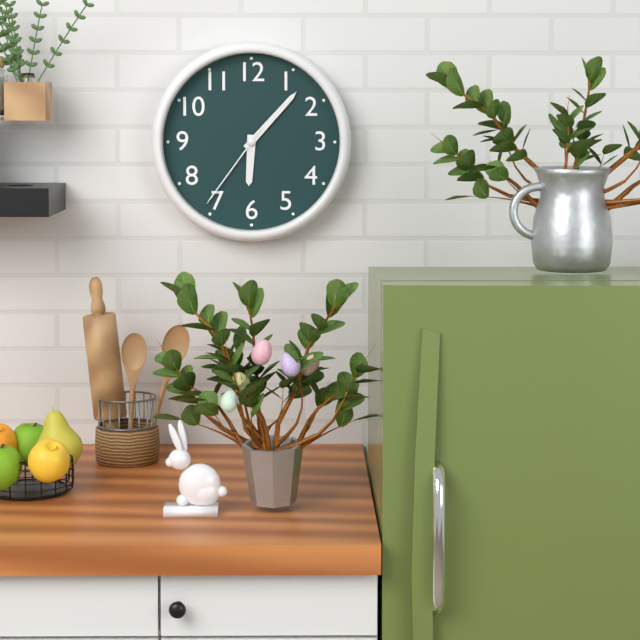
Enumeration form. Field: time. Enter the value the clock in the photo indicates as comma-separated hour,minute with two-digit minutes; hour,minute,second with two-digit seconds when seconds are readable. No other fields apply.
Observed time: 6,07,36
